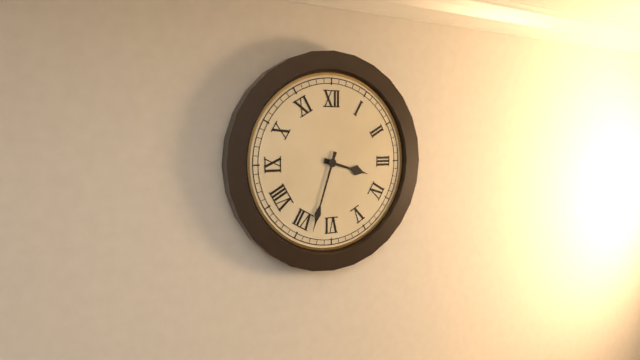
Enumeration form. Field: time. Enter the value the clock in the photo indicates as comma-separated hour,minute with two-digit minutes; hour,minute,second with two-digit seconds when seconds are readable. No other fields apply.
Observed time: 3,33
